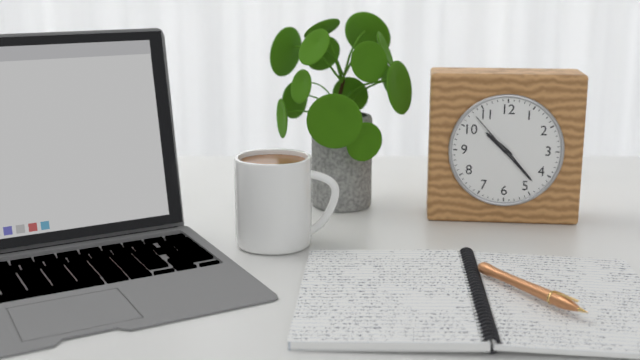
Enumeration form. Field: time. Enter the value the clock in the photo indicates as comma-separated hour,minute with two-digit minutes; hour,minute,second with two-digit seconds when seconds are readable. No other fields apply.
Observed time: 10,23,53
